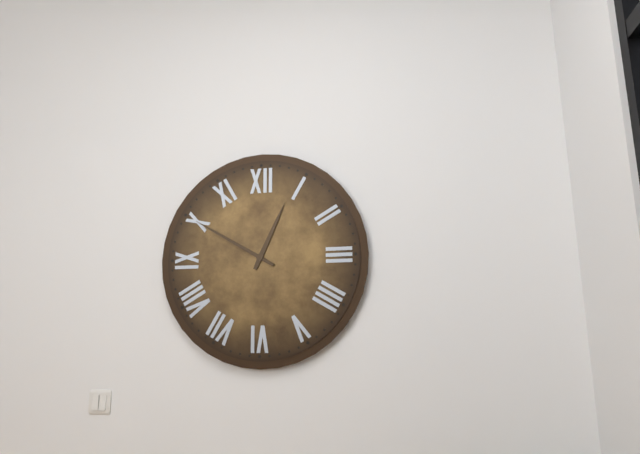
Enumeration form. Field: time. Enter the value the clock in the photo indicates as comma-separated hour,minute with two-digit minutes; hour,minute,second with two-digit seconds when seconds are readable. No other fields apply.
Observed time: 12,50
